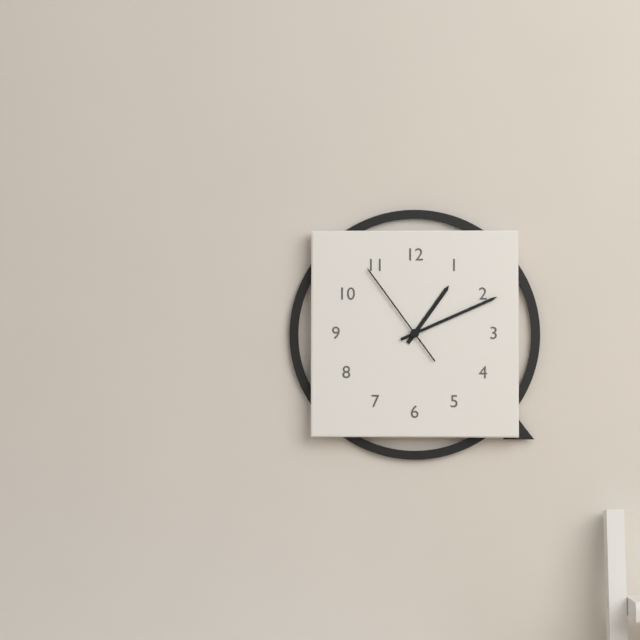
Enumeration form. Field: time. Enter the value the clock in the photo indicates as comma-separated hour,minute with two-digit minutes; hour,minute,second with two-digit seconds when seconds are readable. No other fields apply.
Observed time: 1,11,54
